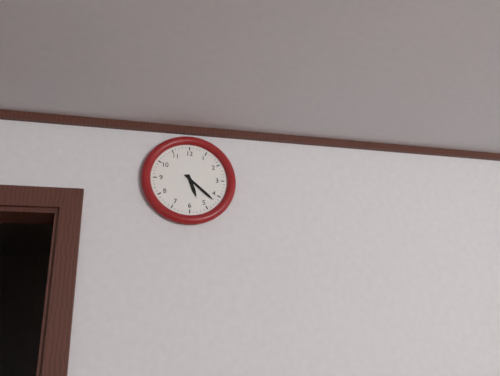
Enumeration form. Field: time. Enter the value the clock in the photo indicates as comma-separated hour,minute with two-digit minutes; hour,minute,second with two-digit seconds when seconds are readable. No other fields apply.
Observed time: 5,22
